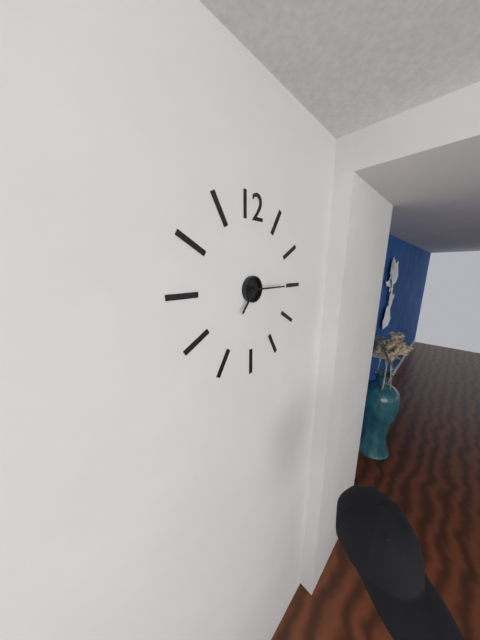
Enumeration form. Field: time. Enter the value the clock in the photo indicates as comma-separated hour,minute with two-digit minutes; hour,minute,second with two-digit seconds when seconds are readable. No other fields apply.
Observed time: 7,15
